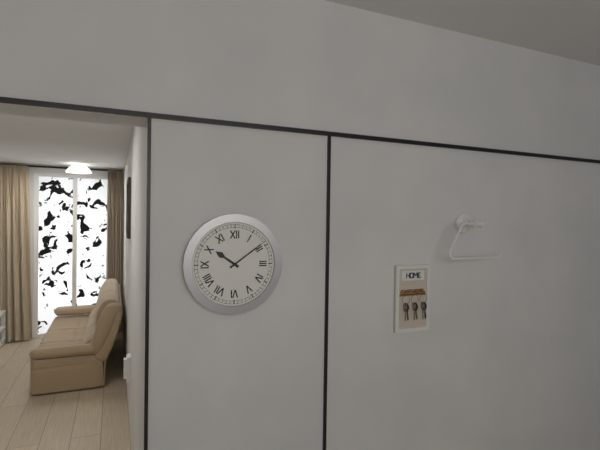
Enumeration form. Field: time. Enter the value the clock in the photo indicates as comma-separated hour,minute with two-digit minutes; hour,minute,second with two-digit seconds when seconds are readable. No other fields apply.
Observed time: 10,09
